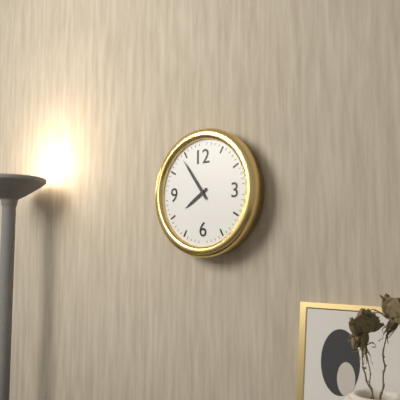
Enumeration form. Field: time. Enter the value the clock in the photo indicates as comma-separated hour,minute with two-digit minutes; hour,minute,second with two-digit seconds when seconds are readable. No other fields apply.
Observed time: 7,54
